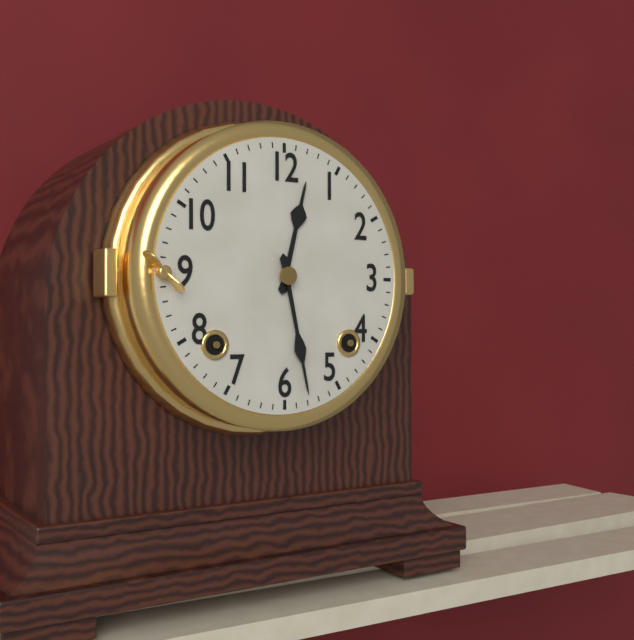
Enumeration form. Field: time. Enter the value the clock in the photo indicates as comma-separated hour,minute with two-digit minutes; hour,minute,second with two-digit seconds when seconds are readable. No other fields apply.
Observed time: 12,28
